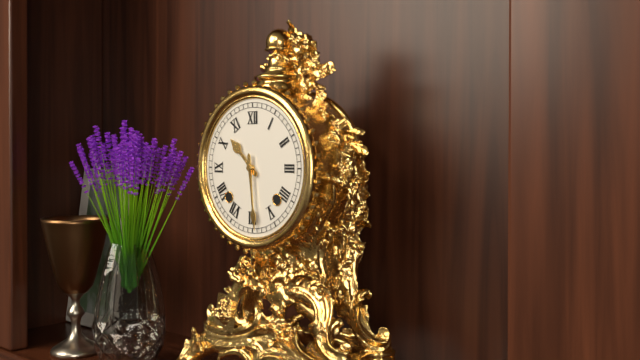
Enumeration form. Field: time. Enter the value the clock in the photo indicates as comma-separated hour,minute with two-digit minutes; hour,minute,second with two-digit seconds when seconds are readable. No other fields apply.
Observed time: 10,29
